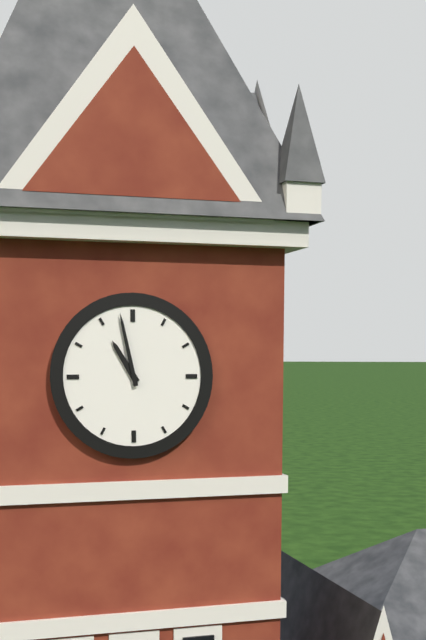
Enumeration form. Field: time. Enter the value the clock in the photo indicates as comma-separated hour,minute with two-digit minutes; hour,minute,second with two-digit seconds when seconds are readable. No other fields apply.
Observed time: 10,58
